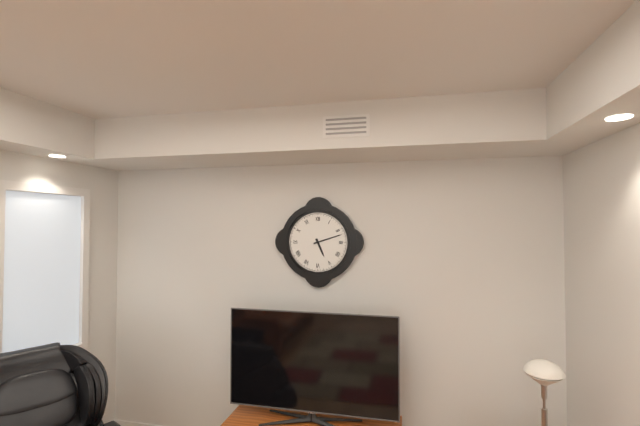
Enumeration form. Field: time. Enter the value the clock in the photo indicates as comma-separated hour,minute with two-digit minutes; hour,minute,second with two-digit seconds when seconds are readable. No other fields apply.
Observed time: 5,12
